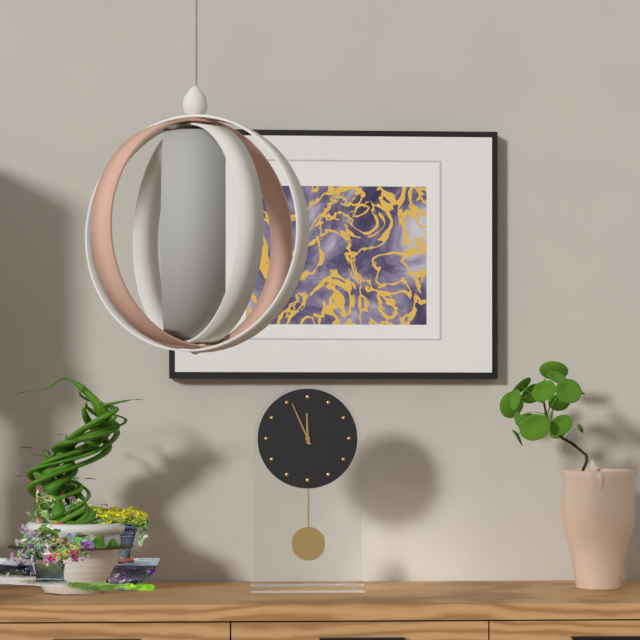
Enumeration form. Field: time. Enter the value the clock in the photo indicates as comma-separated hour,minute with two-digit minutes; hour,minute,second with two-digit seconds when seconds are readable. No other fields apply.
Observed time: 11,56
